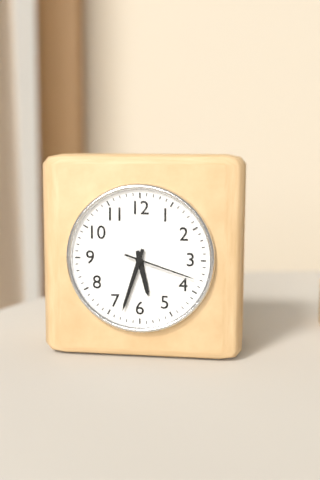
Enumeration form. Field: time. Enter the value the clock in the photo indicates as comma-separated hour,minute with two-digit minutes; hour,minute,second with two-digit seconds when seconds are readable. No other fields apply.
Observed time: 5,33,18
